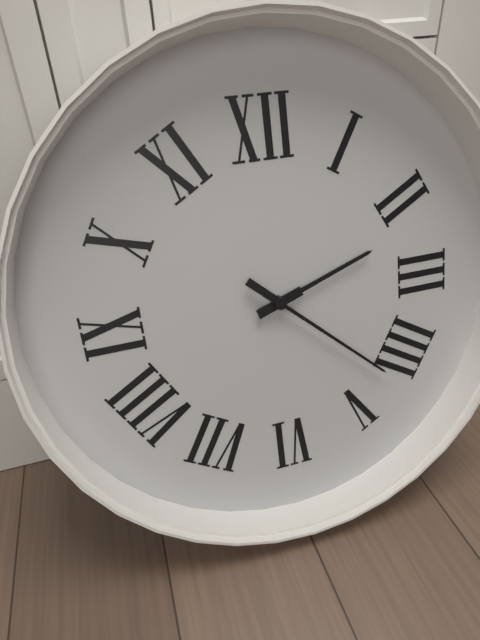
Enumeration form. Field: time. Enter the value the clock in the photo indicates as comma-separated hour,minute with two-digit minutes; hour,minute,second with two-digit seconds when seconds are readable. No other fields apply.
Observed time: 2,22
